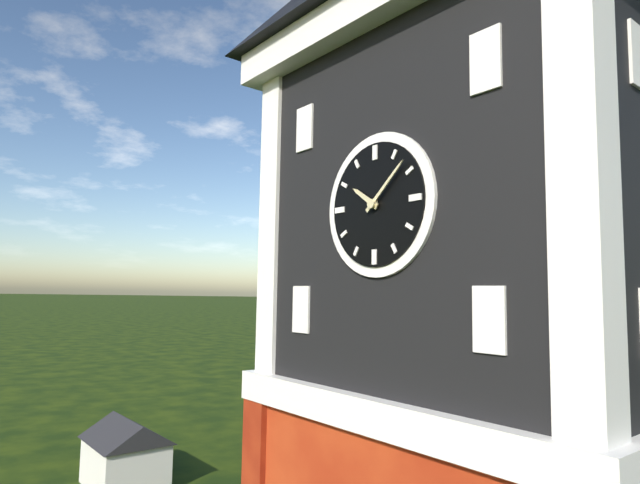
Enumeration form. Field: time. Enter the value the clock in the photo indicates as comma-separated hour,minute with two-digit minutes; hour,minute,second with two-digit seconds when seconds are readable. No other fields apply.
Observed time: 10,08
